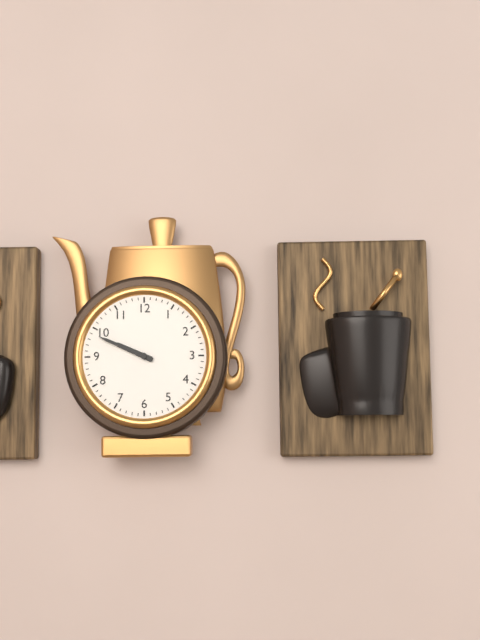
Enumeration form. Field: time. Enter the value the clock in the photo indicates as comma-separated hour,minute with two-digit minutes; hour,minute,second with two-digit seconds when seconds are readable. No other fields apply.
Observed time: 9,49
